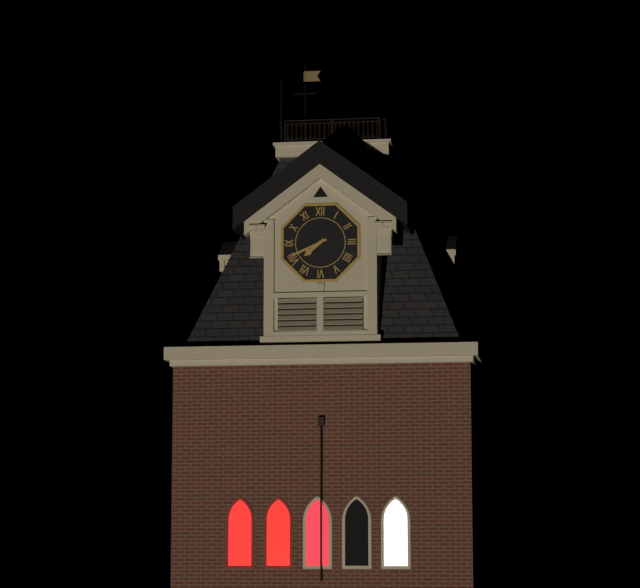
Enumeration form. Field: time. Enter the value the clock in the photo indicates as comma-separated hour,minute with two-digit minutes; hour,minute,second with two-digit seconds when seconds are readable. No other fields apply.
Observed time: 7,41
